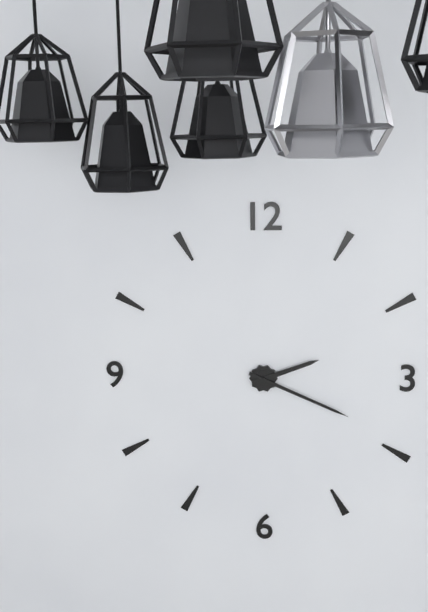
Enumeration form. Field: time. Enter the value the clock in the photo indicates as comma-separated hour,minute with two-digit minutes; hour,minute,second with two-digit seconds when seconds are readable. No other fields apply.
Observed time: 2,19
